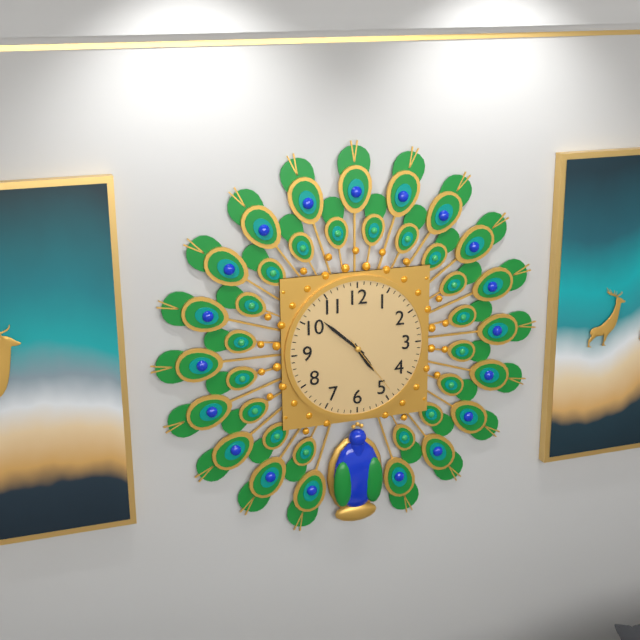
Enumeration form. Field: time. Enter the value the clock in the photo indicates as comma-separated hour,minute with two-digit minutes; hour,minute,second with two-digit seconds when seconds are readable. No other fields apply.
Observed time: 4,52,24
